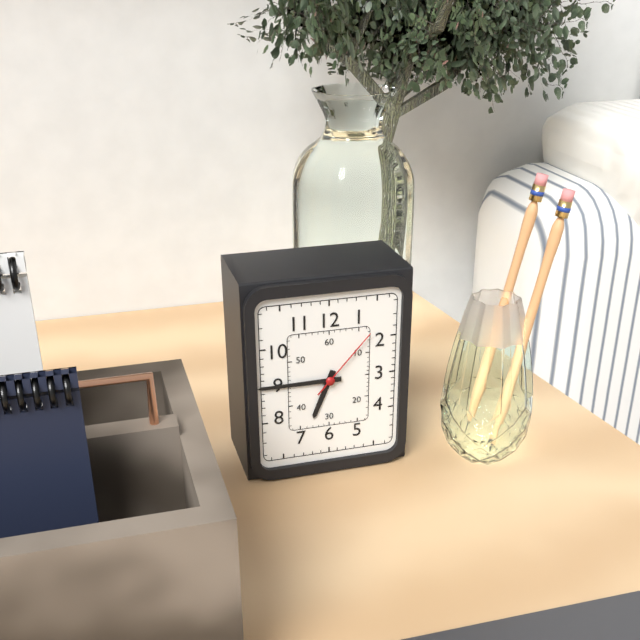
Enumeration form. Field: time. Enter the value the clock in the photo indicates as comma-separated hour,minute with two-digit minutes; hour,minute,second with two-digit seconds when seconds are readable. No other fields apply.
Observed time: 6,45,07
